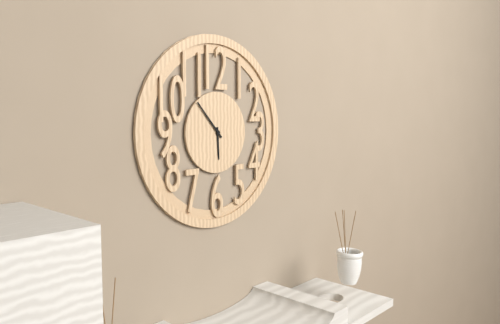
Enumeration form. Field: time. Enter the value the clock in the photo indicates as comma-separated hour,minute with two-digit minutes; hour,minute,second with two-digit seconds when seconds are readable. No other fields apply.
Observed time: 5,53
